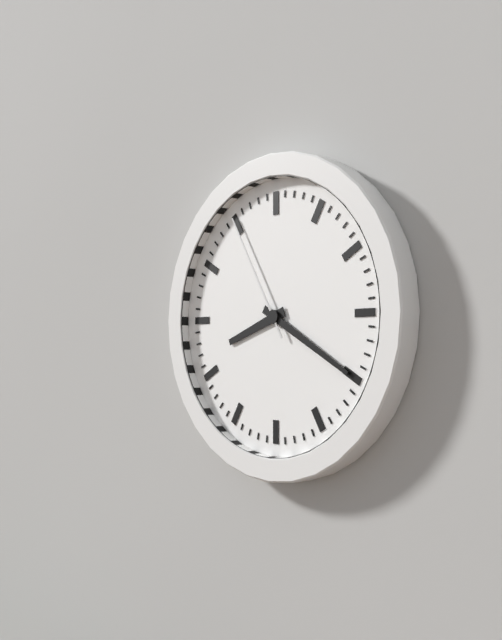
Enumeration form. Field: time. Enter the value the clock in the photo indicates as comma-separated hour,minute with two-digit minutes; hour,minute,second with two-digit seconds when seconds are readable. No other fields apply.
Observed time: 8,20,55
